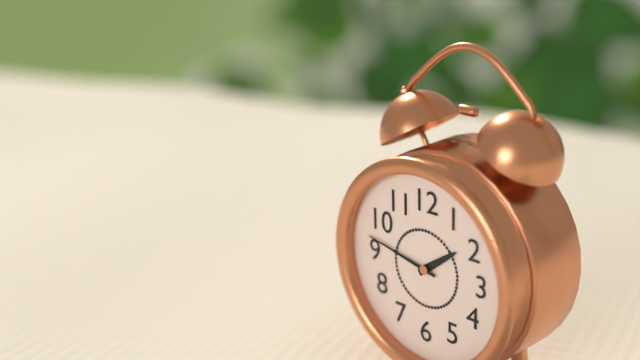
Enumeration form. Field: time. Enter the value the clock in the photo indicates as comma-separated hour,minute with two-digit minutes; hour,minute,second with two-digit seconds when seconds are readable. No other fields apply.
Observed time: 1,47
